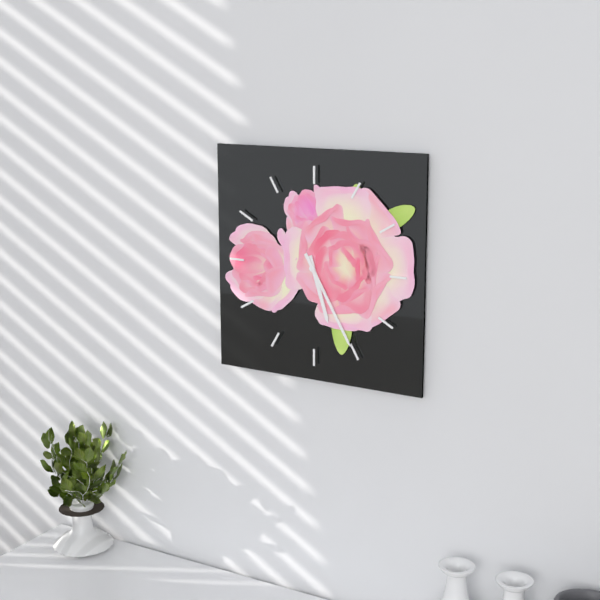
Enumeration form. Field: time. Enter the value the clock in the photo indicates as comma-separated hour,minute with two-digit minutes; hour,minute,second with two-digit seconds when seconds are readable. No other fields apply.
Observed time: 5,25
